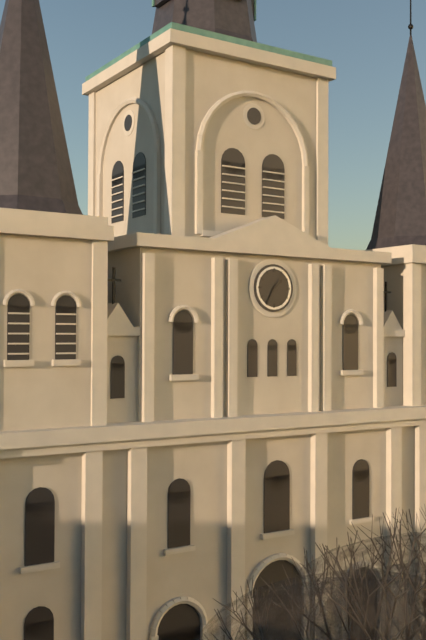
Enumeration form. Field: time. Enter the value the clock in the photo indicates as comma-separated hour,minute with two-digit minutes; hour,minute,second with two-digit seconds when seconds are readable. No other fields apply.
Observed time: 1,35
